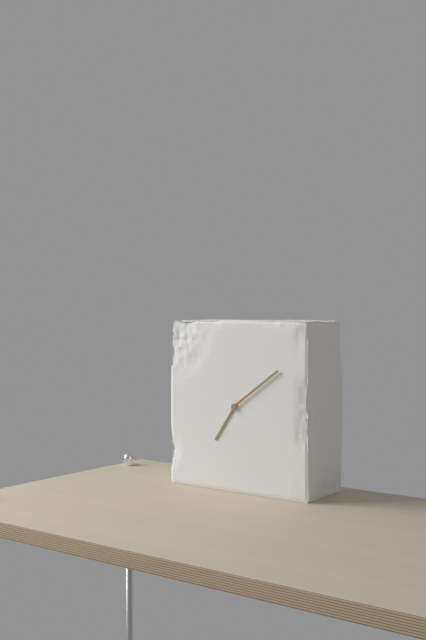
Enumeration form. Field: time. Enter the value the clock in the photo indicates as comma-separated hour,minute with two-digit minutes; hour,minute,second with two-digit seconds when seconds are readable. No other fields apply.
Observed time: 7,09
